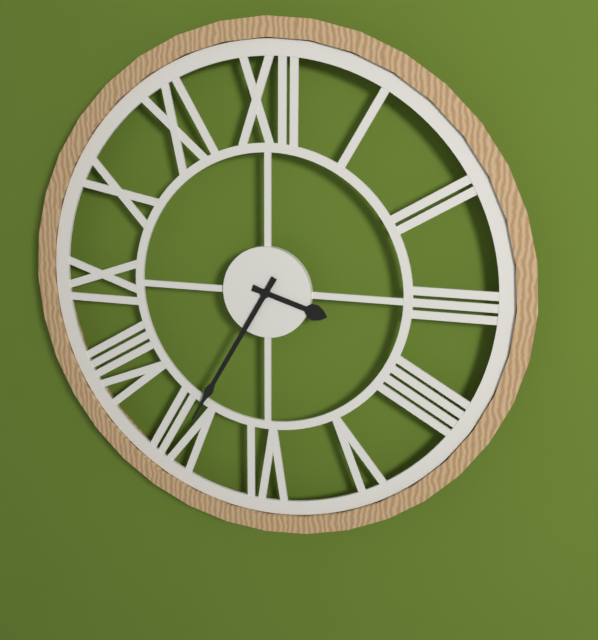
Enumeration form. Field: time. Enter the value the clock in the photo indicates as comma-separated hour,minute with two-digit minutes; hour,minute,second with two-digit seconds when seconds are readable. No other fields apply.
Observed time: 3,35
